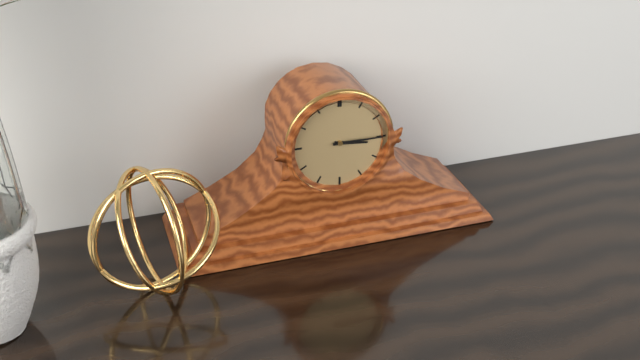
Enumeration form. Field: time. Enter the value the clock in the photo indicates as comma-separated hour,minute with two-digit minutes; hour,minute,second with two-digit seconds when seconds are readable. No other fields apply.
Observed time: 3,15
